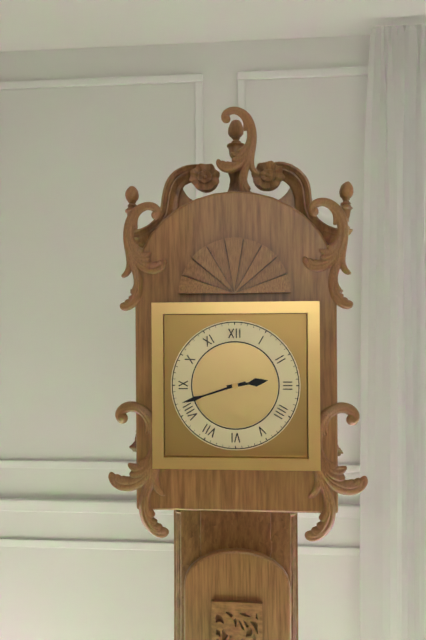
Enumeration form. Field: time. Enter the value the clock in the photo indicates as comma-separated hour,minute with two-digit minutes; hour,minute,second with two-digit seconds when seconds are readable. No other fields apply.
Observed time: 2,42
